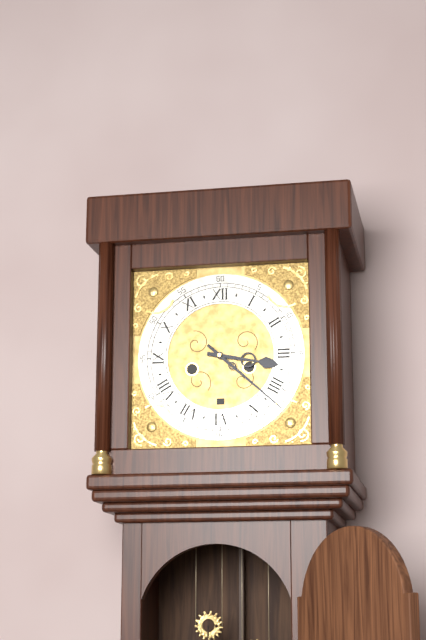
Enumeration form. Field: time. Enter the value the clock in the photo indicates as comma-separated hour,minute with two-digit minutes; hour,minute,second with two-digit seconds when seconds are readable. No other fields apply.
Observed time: 3,22
